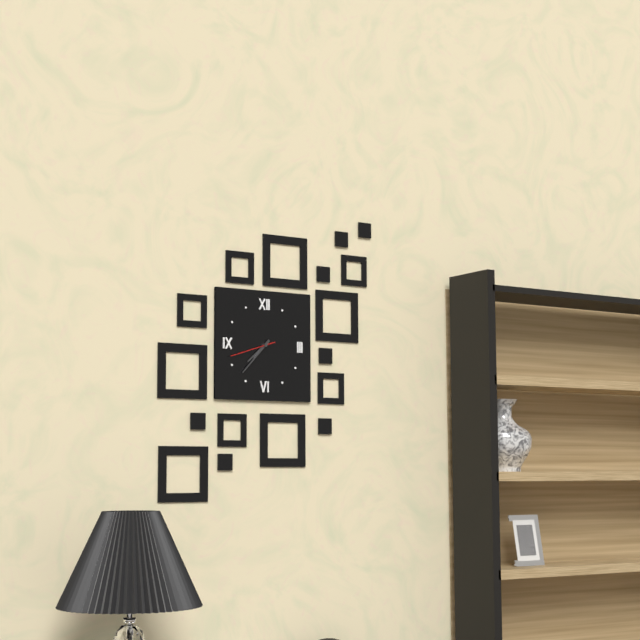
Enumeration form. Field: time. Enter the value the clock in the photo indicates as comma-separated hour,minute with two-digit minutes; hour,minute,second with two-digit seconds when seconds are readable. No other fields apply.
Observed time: 7,37
